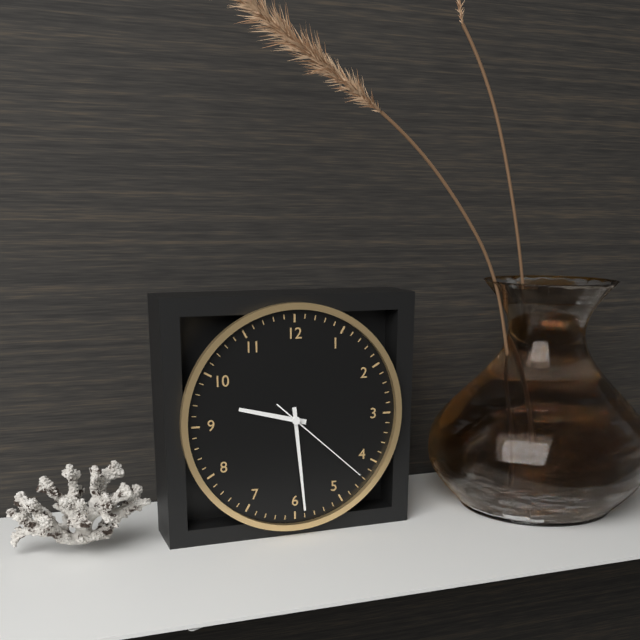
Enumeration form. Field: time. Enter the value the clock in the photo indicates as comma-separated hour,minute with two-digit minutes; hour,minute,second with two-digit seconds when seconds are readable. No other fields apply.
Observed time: 9,29,22
